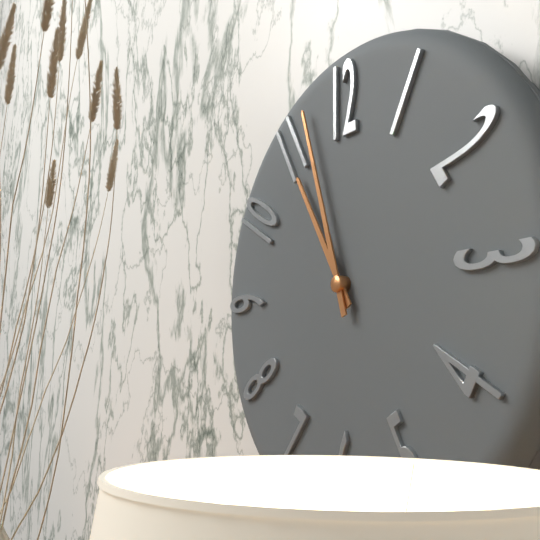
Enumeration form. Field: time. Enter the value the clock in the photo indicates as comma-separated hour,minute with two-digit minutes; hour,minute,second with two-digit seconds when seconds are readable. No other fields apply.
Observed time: 10,57
